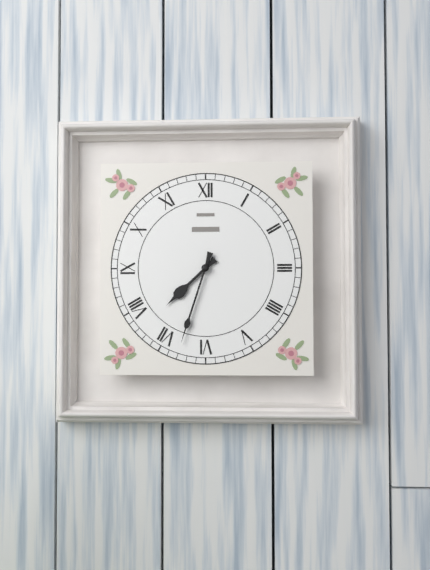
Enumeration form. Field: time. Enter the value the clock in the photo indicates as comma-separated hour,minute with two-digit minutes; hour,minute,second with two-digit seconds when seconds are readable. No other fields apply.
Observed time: 7,33
